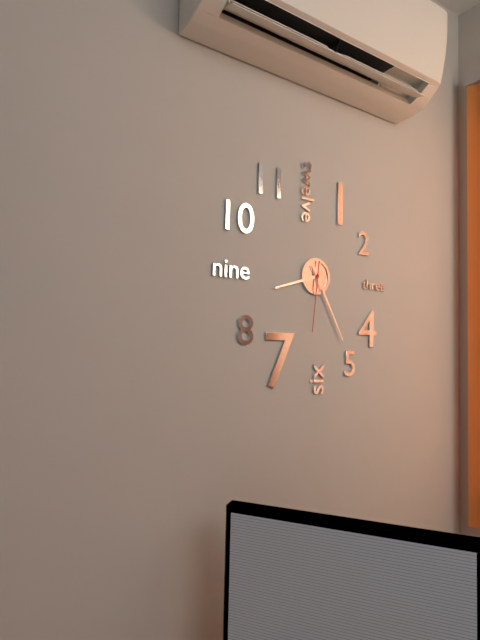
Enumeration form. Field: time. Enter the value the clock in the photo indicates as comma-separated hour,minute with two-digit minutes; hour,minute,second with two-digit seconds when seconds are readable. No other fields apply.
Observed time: 8,25,31
